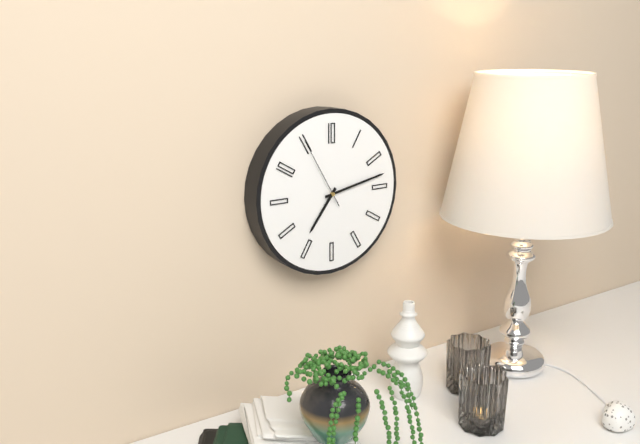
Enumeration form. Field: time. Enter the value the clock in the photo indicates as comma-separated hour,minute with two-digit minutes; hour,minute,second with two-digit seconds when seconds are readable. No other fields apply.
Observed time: 7,13,55
